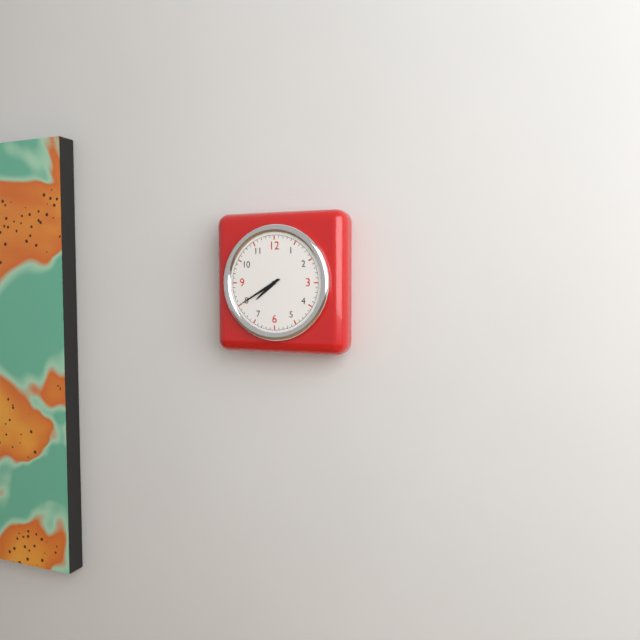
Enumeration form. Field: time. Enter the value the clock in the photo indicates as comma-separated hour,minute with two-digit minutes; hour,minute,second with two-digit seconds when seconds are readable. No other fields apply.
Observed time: 7,40
